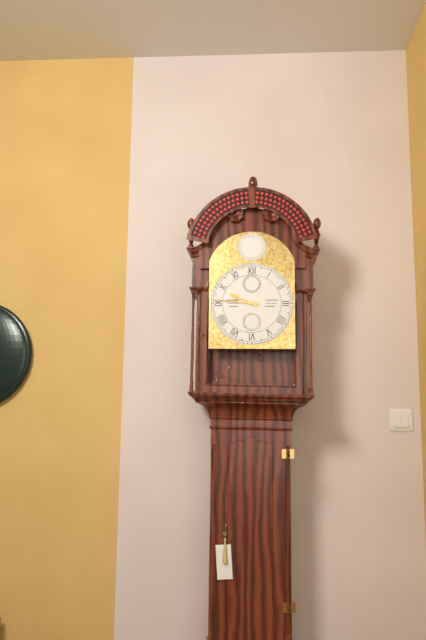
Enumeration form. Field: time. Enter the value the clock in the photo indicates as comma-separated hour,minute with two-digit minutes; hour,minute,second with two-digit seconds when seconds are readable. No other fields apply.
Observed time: 9,46
